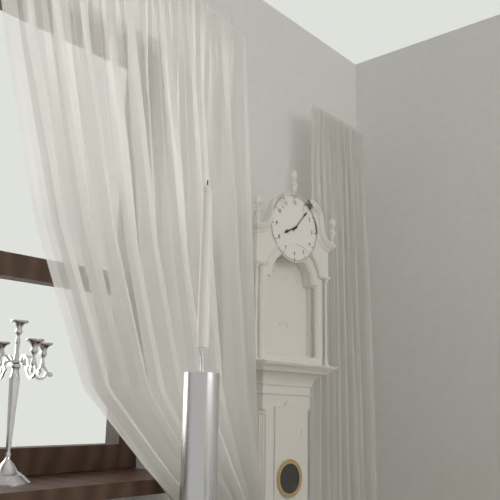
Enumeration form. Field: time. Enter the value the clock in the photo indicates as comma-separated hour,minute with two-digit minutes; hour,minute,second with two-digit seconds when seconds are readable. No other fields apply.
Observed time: 8,07
